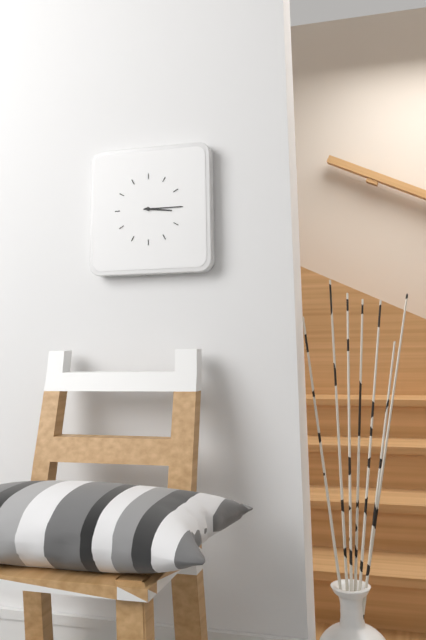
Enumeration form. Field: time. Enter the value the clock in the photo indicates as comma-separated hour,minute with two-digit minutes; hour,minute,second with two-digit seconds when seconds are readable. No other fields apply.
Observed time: 3,15
